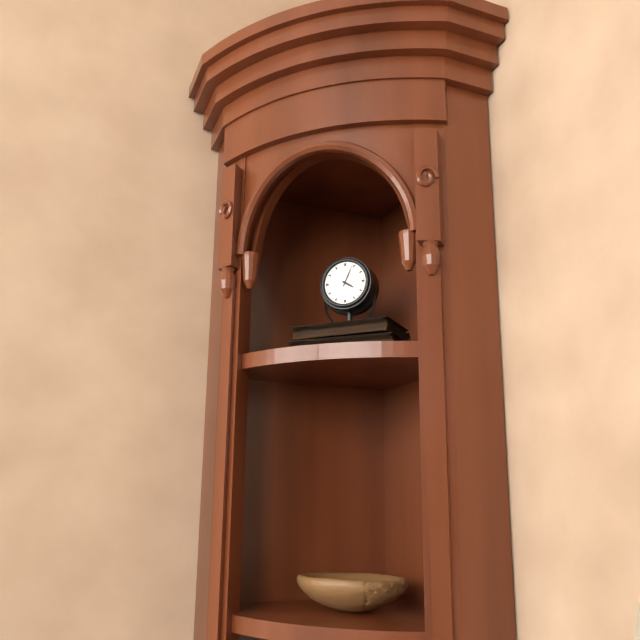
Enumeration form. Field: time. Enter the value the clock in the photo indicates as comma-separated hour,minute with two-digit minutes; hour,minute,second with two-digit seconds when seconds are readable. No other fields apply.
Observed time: 4,04
